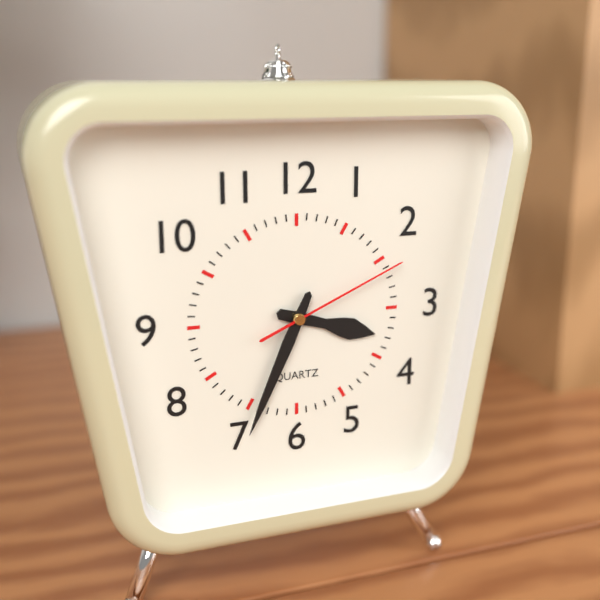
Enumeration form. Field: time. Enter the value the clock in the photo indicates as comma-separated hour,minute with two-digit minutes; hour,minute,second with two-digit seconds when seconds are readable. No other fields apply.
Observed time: 3,34,11
